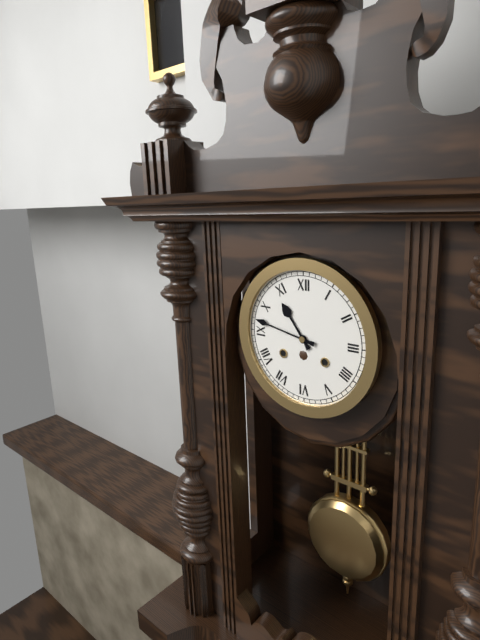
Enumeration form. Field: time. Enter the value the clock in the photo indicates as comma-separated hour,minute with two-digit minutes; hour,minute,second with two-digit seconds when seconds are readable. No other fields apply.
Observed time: 10,47
